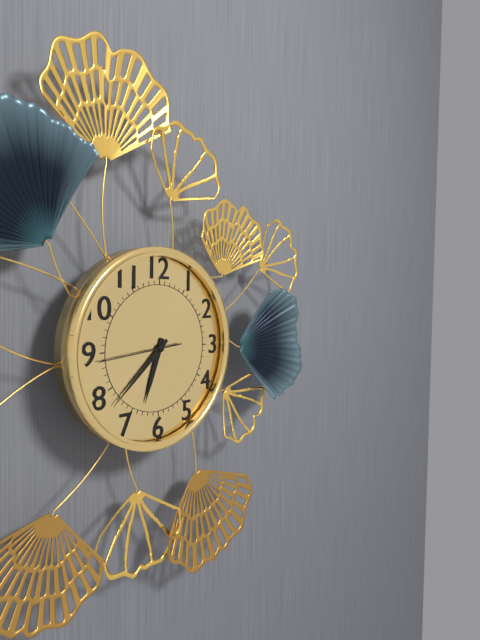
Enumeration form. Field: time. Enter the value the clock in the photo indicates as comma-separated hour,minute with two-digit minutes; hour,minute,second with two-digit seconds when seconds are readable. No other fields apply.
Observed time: 6,38,44
